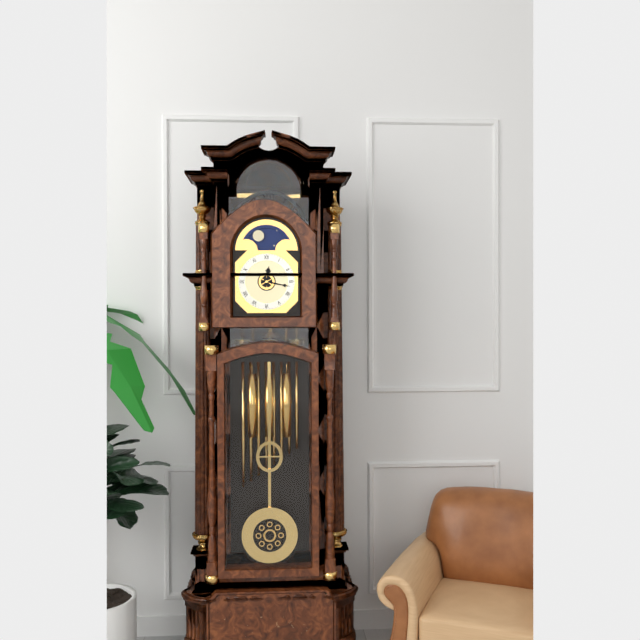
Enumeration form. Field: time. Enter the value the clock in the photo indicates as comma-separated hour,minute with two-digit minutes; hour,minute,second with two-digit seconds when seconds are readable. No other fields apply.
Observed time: 12,17
